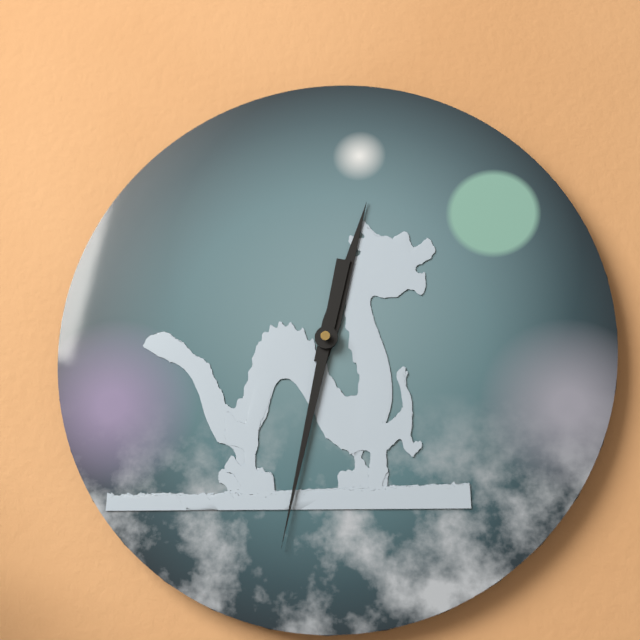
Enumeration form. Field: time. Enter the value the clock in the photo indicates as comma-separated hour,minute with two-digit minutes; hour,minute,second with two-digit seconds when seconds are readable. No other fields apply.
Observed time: 12,32
